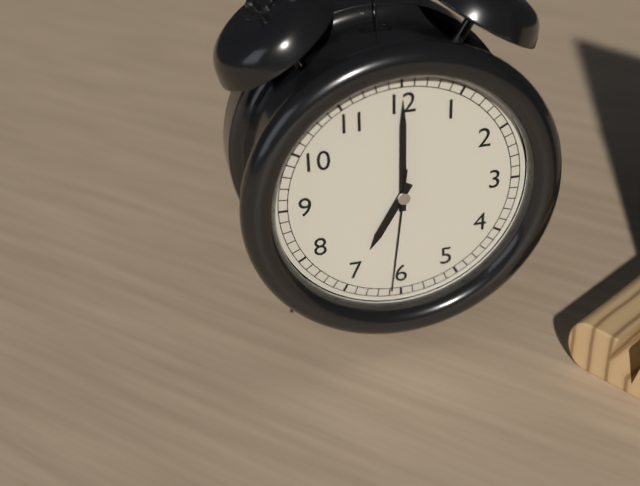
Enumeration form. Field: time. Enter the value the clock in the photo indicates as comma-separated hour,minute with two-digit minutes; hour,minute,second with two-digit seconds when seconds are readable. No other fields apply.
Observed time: 7,00,31
